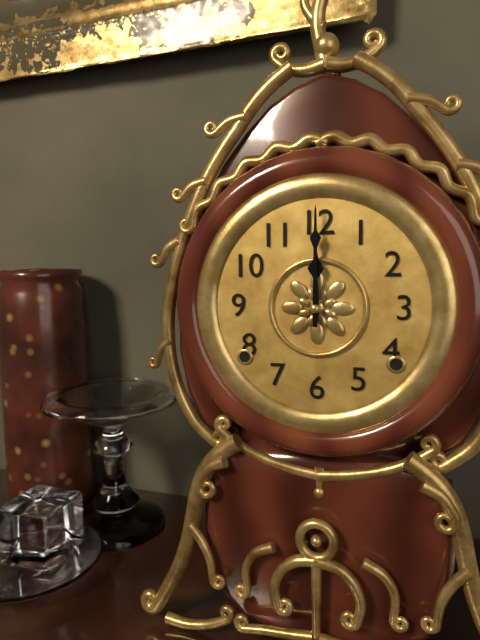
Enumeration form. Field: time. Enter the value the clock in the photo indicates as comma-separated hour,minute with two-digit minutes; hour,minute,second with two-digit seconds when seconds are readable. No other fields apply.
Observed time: 12,00
